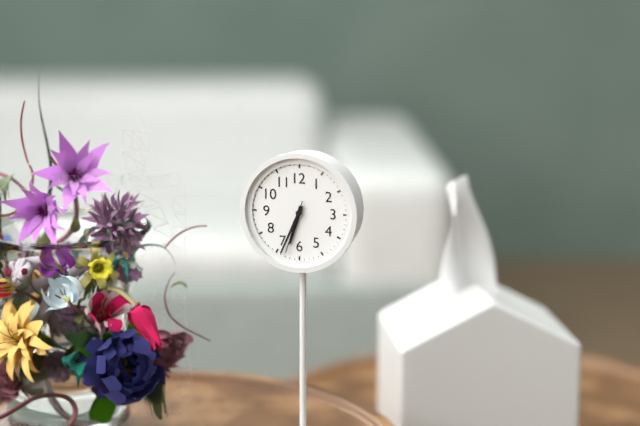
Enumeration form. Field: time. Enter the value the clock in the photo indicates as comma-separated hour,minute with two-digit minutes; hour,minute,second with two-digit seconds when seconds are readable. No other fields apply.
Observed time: 6,34,33
